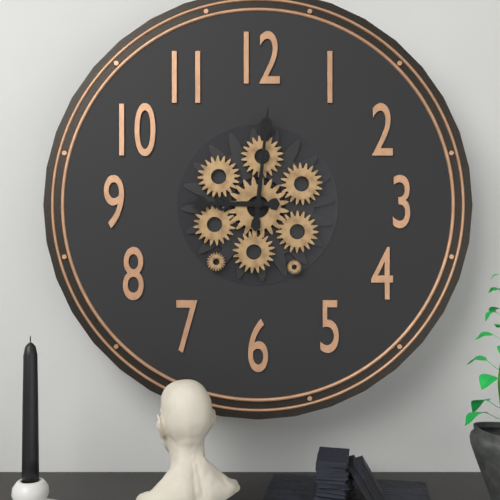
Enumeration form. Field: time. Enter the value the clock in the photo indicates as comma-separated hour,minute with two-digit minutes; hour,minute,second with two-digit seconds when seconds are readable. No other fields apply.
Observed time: 9,01
